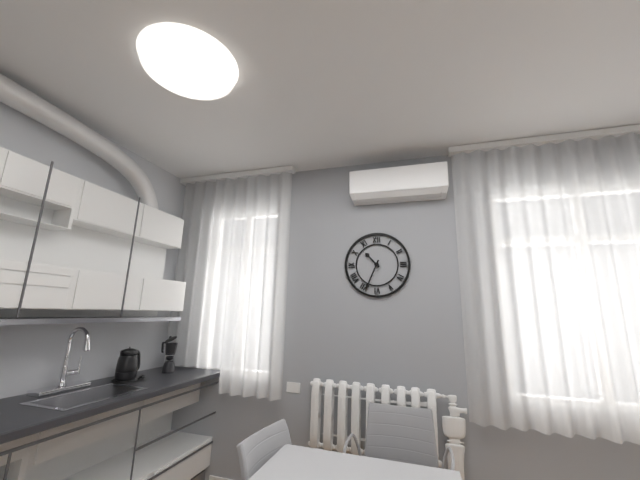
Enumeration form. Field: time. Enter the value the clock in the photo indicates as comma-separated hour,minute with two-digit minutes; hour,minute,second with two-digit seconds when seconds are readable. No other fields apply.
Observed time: 10,34
